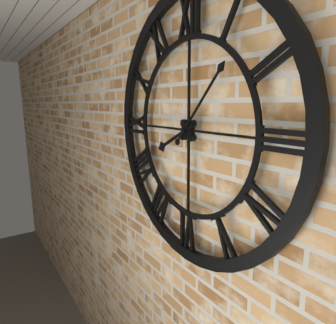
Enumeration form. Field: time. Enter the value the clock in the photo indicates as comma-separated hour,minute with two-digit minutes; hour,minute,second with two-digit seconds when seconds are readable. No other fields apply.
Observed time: 8,07
